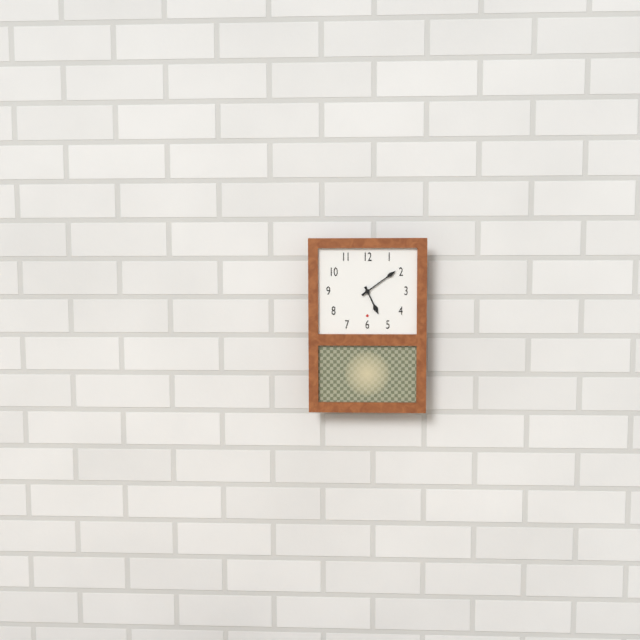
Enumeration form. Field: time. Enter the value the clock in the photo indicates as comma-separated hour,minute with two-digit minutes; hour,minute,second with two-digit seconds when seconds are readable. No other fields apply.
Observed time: 5,09
